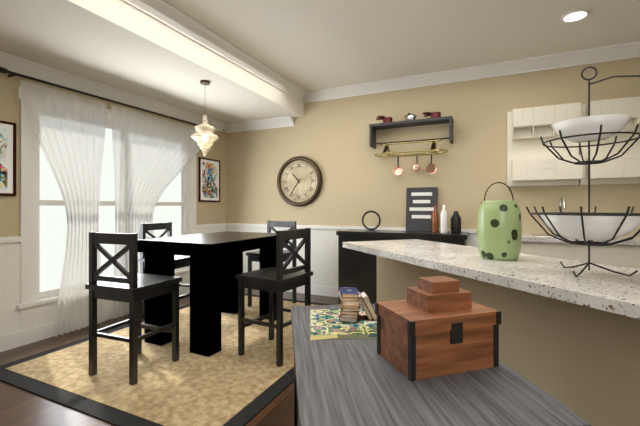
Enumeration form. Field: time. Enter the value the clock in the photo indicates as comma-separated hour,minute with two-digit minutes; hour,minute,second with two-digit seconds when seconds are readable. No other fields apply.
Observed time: 10,36
